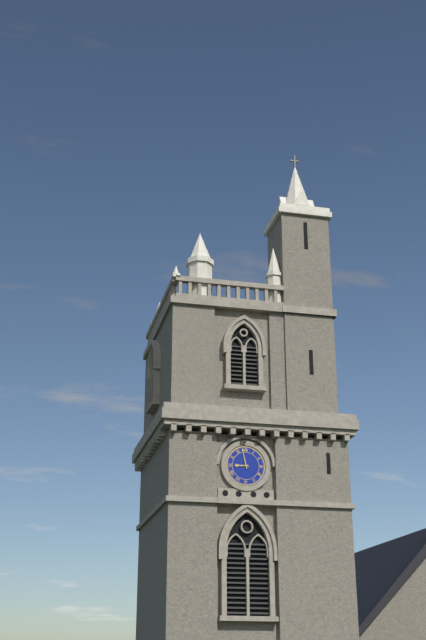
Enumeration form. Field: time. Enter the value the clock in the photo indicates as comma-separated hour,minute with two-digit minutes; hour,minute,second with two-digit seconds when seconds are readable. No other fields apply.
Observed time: 8,58
